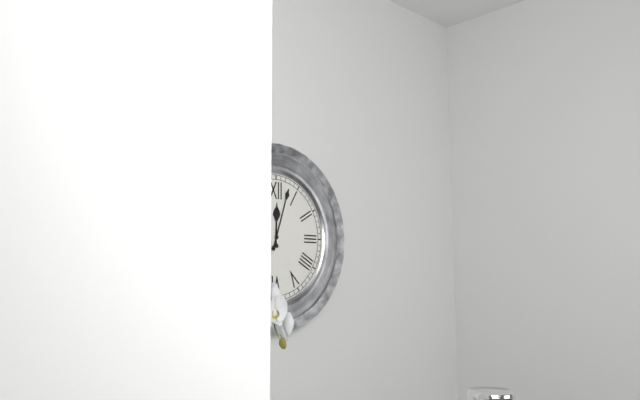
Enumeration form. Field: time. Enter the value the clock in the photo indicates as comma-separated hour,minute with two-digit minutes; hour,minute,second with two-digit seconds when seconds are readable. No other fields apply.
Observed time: 12,03
